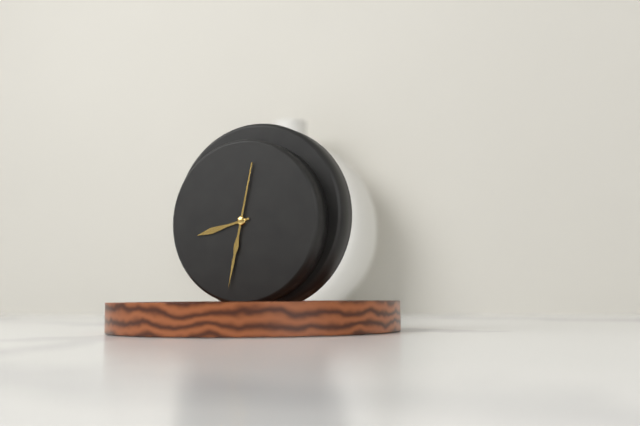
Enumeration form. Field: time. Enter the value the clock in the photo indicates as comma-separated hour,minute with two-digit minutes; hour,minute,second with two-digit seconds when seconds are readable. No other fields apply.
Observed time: 8,32
